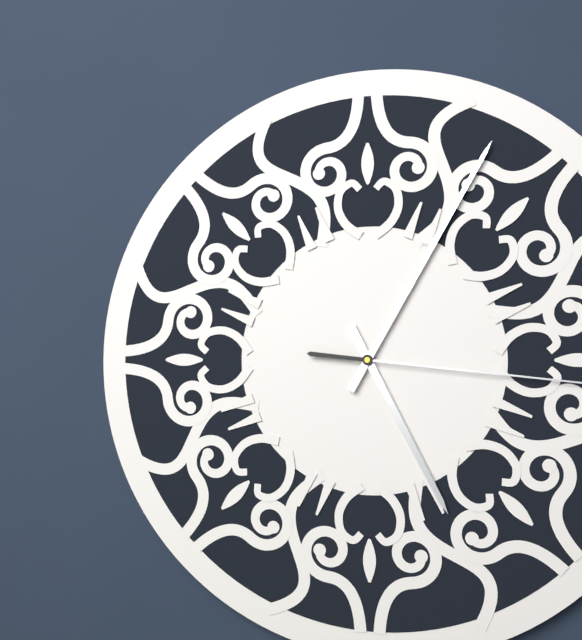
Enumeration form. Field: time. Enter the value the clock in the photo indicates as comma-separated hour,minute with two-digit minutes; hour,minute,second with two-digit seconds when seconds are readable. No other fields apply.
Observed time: 5,05
